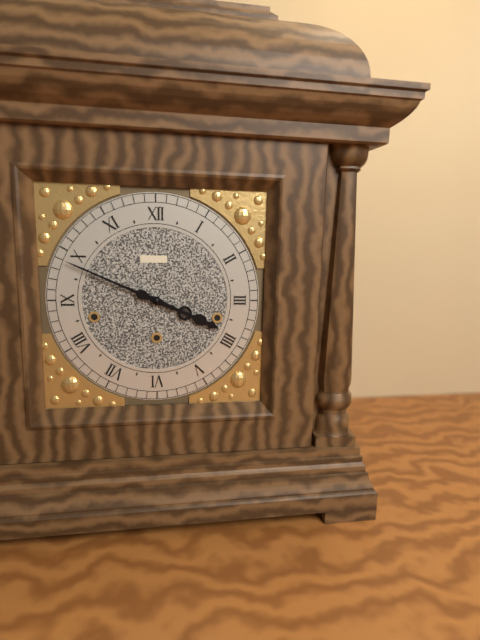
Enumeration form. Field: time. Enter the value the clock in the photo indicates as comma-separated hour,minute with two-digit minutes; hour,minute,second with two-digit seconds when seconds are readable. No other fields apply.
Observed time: 3,49
